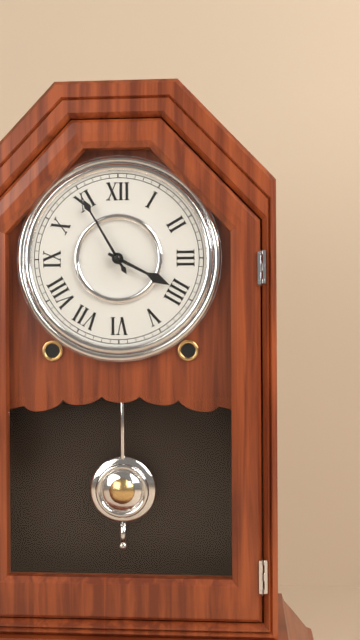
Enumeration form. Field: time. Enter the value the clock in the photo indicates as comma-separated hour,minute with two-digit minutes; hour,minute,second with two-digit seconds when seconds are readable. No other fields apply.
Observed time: 3,55
